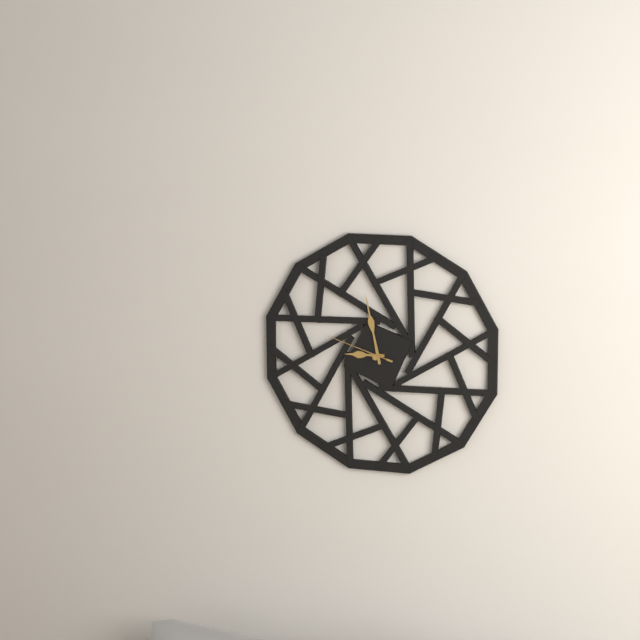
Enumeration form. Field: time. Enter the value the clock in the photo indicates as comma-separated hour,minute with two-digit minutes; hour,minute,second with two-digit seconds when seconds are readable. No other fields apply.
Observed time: 8,58,48
